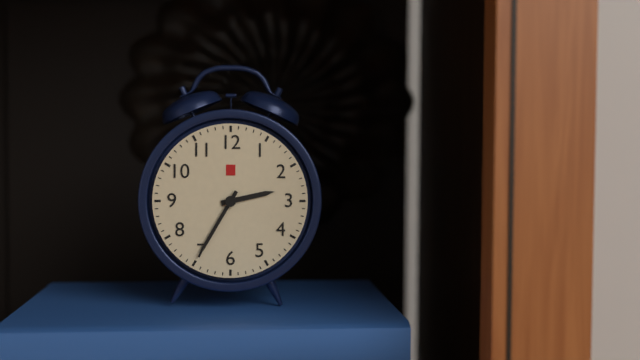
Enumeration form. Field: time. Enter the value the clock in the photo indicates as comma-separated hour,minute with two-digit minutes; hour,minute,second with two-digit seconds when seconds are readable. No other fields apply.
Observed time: 2,35
